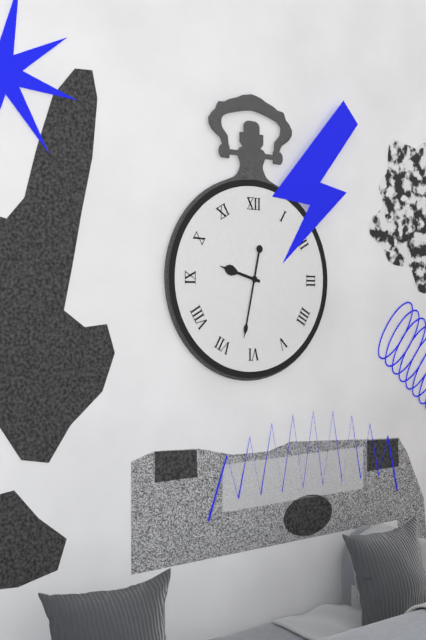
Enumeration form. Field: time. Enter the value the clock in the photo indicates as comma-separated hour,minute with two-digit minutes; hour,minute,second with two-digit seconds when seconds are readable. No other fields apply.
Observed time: 9,32
